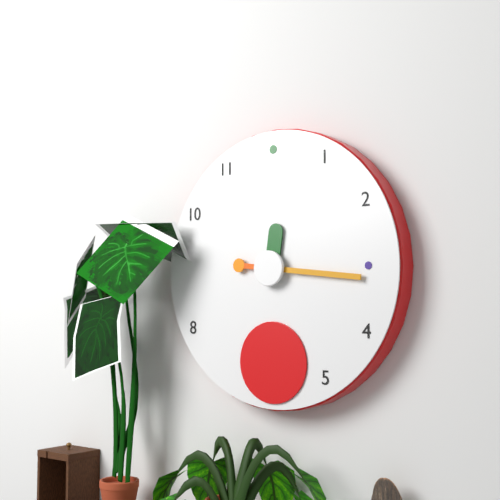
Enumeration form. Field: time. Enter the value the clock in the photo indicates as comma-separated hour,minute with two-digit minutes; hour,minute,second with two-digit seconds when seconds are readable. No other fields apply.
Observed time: 12,16
